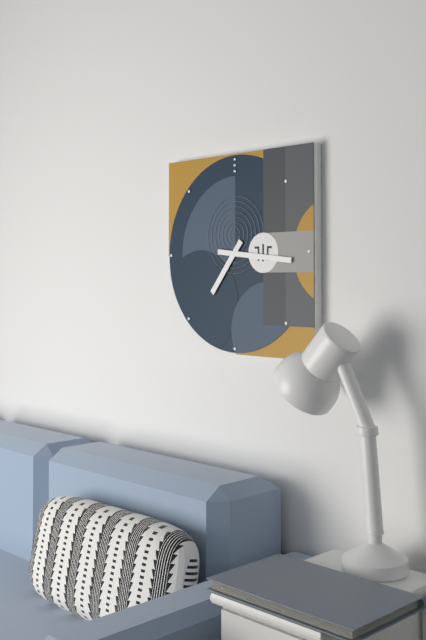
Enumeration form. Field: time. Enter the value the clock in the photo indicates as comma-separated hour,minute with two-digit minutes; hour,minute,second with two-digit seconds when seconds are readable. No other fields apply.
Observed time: 7,16
